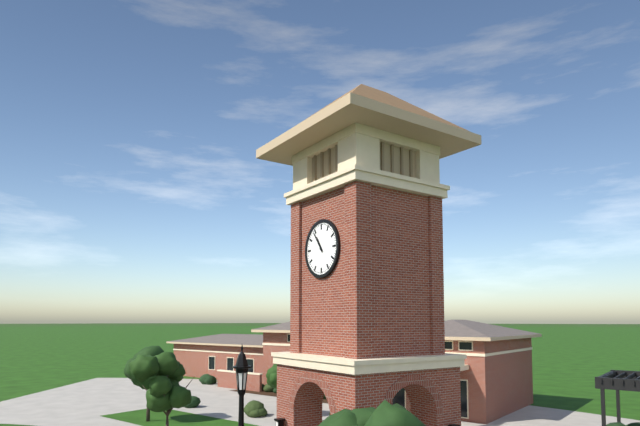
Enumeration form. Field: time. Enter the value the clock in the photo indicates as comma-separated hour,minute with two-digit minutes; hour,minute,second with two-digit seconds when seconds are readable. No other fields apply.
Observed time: 10,54
